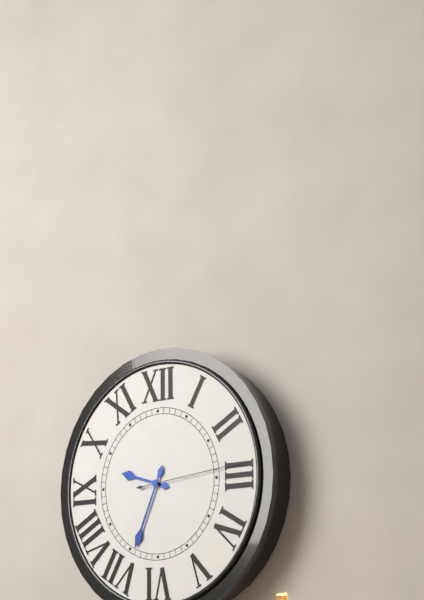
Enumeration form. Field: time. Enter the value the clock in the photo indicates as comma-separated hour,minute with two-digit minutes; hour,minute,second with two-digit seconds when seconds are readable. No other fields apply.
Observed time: 9,34,14
